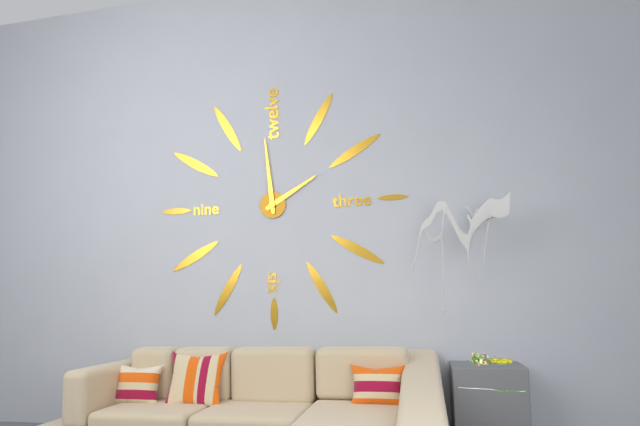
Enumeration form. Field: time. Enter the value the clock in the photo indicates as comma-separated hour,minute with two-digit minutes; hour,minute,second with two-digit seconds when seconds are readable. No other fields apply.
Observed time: 1,59
